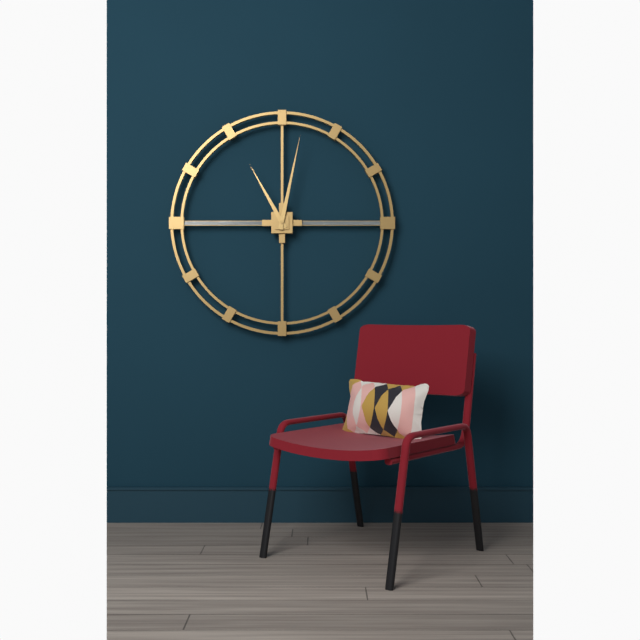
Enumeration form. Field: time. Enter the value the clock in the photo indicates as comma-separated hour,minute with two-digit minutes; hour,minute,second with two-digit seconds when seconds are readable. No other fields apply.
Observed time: 11,02
